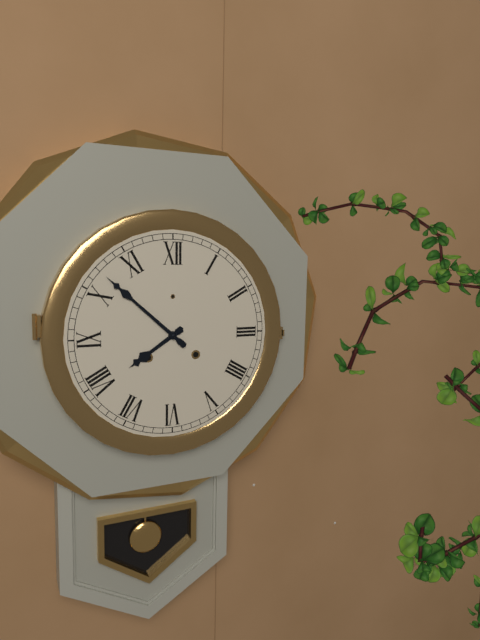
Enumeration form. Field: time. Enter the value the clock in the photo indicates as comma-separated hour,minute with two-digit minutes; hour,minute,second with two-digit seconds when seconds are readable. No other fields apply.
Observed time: 7,52
